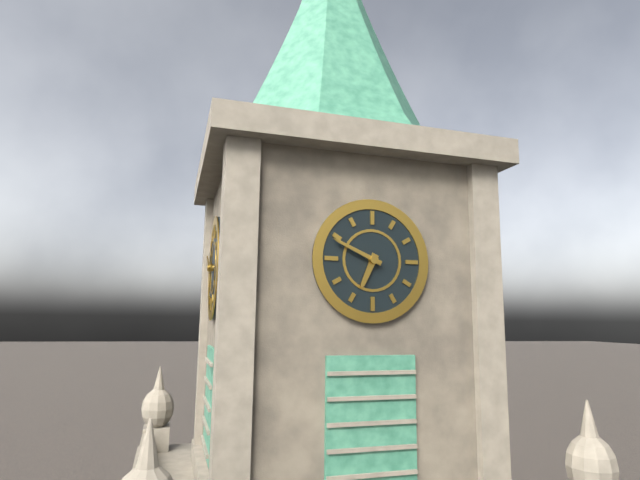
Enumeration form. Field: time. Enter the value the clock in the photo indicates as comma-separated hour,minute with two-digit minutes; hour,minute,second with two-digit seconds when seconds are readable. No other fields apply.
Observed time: 6,49
